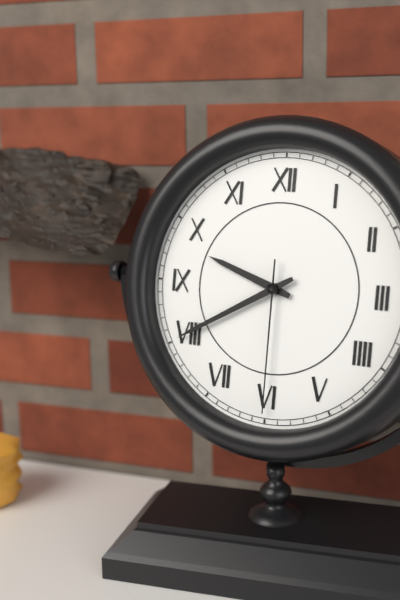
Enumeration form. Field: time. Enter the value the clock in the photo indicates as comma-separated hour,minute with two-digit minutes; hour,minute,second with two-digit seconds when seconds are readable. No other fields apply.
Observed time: 9,40,30
